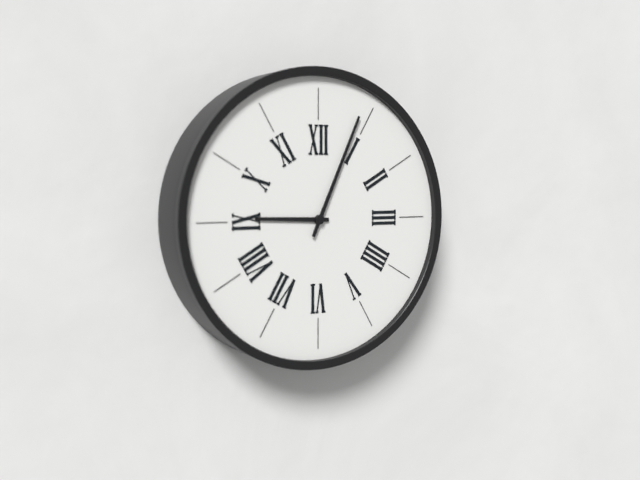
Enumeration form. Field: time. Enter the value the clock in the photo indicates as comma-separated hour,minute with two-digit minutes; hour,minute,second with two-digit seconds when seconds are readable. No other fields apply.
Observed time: 9,04
